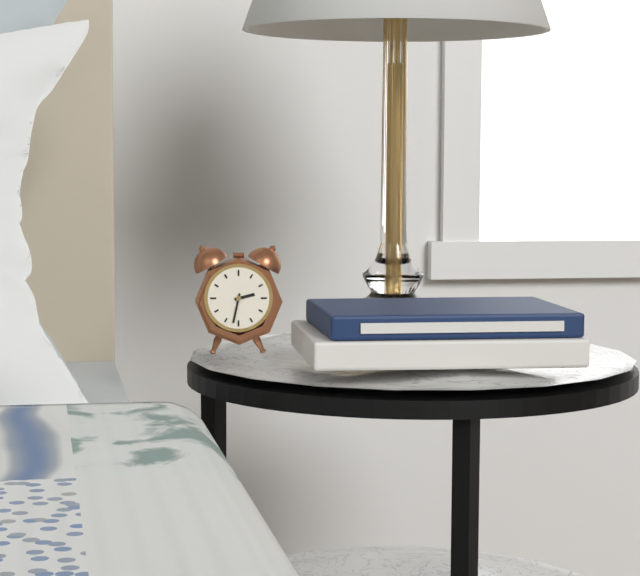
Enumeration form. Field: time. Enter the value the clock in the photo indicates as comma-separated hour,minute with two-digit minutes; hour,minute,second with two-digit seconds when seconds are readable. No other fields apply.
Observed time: 2,32
